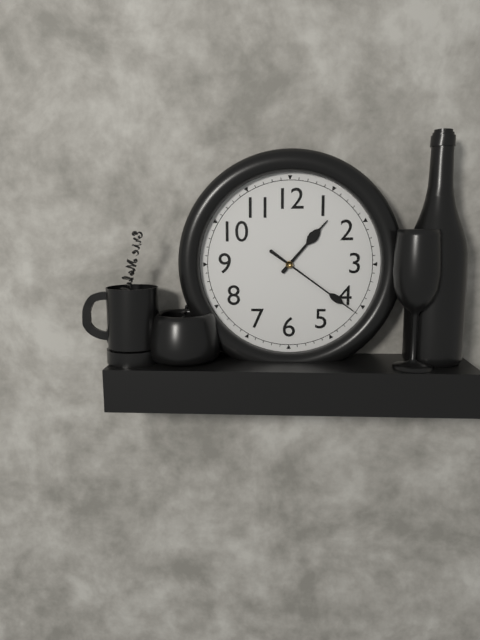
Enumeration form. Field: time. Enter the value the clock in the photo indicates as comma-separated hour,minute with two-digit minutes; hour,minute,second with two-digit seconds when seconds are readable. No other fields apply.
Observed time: 1,21
